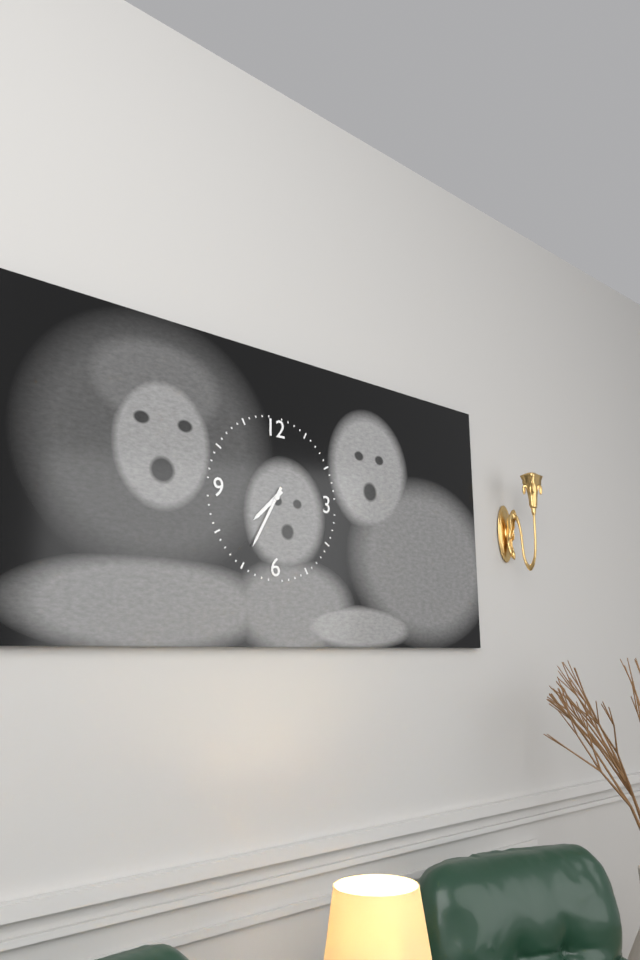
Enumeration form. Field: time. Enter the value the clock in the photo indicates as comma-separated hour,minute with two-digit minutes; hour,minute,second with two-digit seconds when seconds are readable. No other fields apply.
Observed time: 7,35
